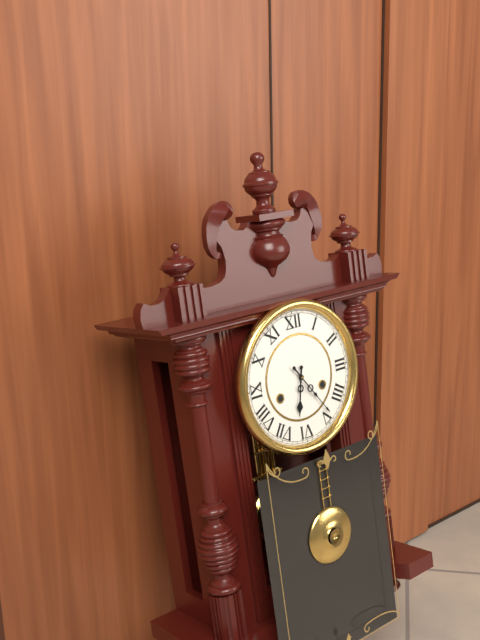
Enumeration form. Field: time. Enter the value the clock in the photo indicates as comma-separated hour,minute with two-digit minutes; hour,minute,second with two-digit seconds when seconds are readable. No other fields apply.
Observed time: 6,24
